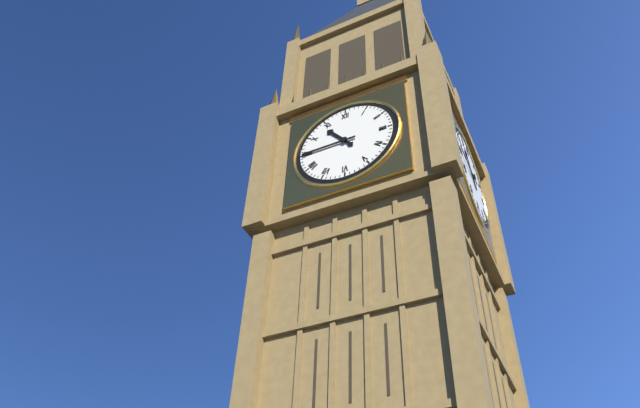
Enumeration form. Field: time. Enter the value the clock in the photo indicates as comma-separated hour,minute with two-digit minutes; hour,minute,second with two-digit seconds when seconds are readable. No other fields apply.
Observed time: 10,45
